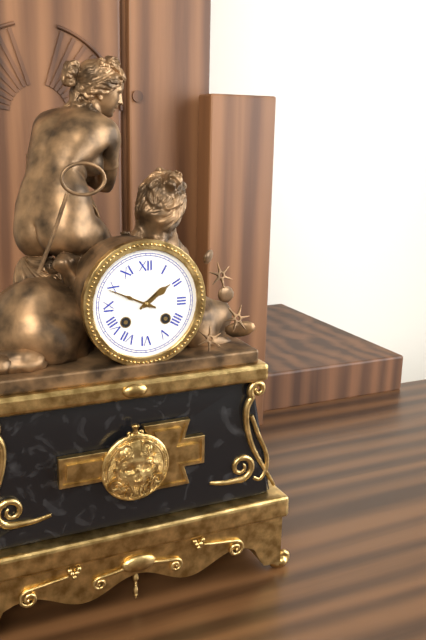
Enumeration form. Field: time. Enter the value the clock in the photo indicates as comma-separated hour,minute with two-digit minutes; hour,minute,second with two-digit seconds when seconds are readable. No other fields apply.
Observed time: 1,49
